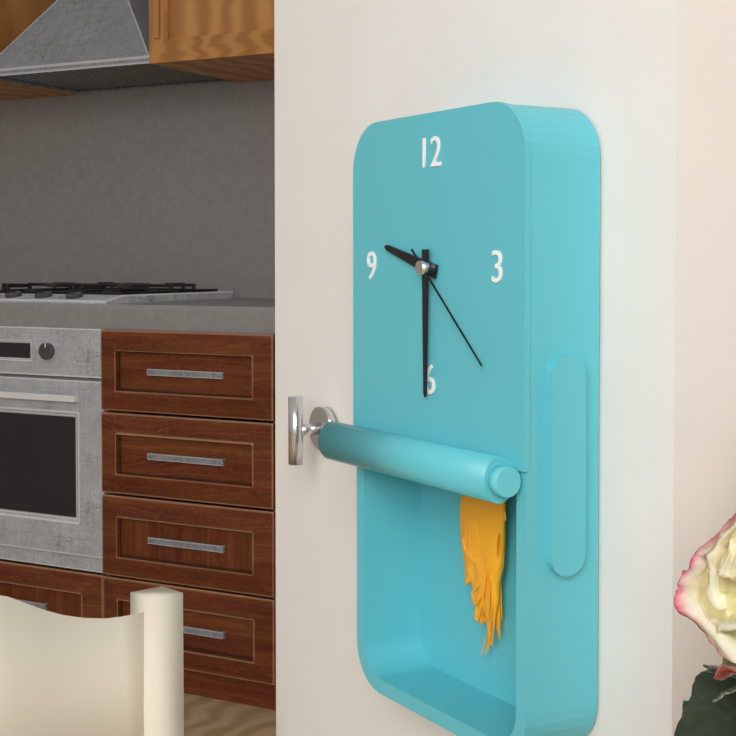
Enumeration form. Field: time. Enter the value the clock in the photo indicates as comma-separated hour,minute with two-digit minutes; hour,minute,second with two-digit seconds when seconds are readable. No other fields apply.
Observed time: 9,30,22
